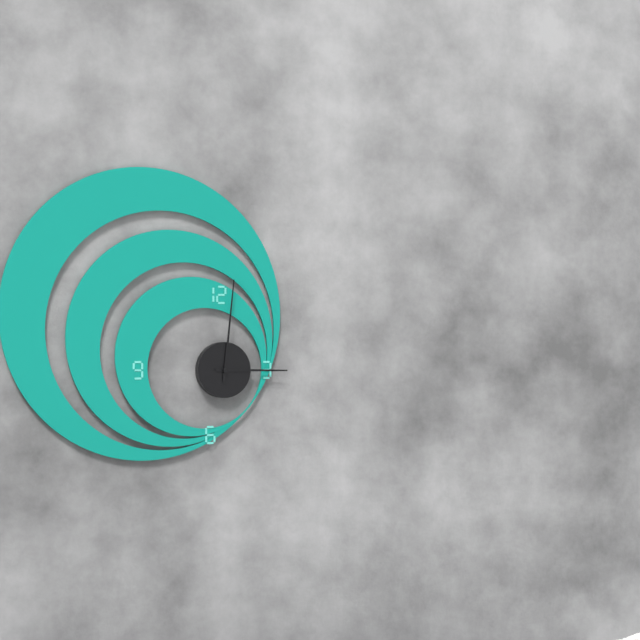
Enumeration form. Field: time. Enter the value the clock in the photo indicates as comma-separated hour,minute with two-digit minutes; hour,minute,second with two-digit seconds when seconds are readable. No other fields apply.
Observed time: 3,01
